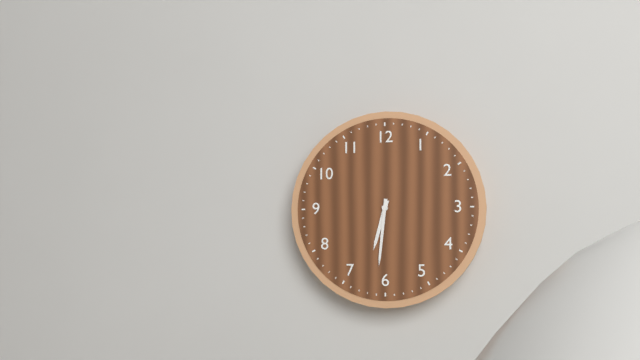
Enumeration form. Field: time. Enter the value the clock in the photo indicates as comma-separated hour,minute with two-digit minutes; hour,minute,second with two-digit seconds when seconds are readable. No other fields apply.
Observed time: 6,31
